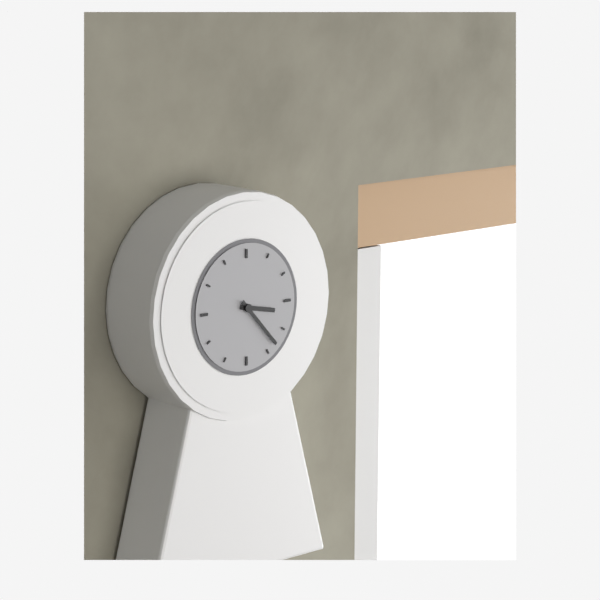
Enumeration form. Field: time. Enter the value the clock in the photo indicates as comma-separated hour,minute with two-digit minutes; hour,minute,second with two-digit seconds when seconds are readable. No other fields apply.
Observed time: 3,23
